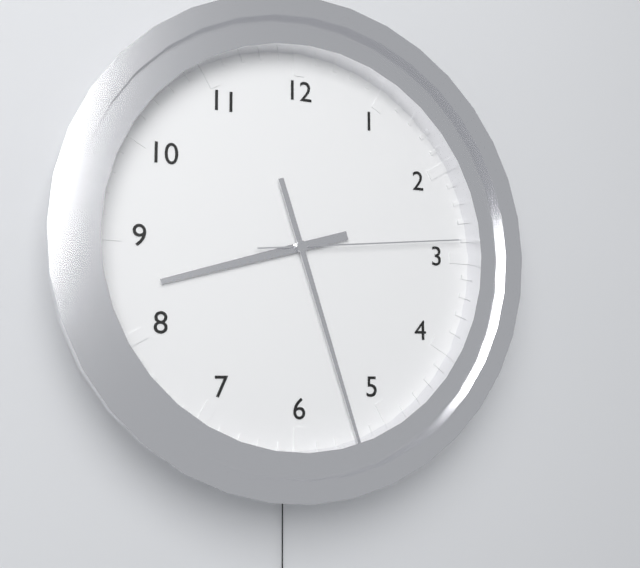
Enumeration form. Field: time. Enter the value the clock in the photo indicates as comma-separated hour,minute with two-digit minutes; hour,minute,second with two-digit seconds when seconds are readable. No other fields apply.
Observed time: 8,27,14
